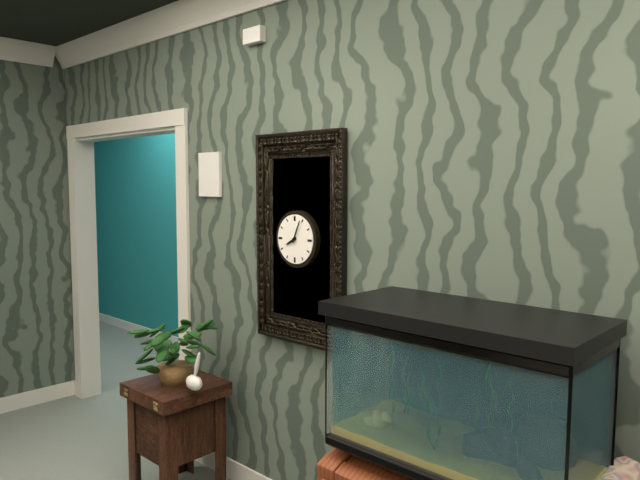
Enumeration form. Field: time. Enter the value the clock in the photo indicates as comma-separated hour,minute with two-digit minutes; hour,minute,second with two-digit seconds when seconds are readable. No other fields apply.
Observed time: 8,04
